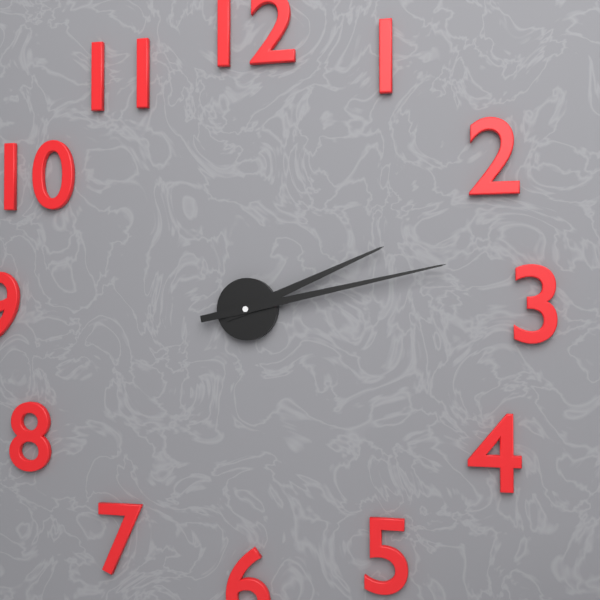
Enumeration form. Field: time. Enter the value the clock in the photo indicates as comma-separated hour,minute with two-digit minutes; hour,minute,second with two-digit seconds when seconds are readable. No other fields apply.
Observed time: 2,13
